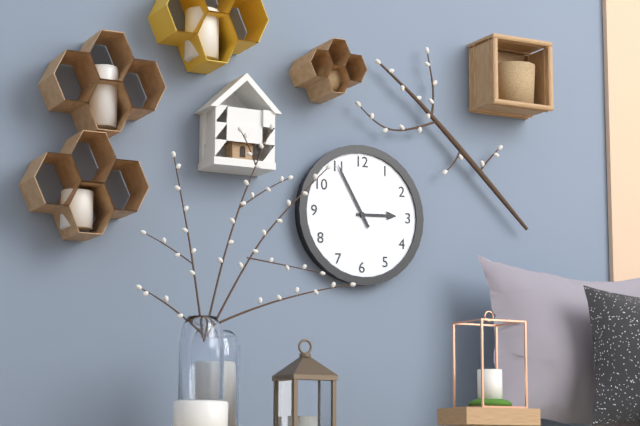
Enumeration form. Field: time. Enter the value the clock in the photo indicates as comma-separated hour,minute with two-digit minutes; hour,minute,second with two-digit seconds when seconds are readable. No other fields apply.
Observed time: 2,55
